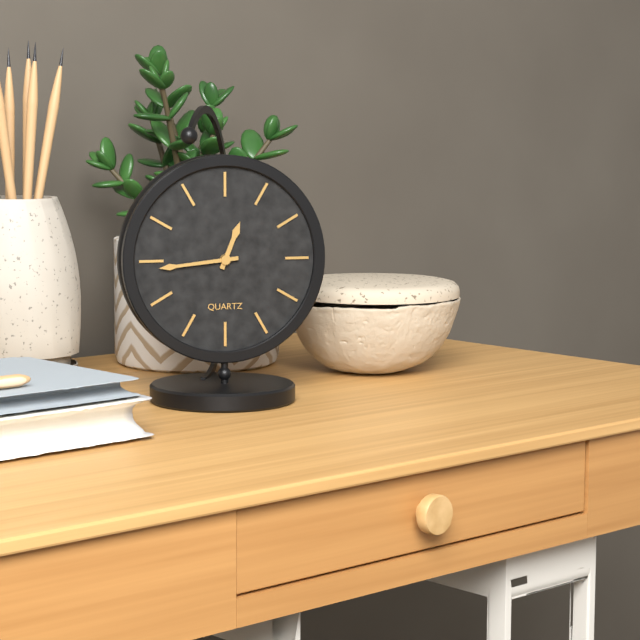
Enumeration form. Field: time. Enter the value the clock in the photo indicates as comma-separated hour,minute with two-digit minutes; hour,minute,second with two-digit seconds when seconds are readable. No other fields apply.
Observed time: 12,44
